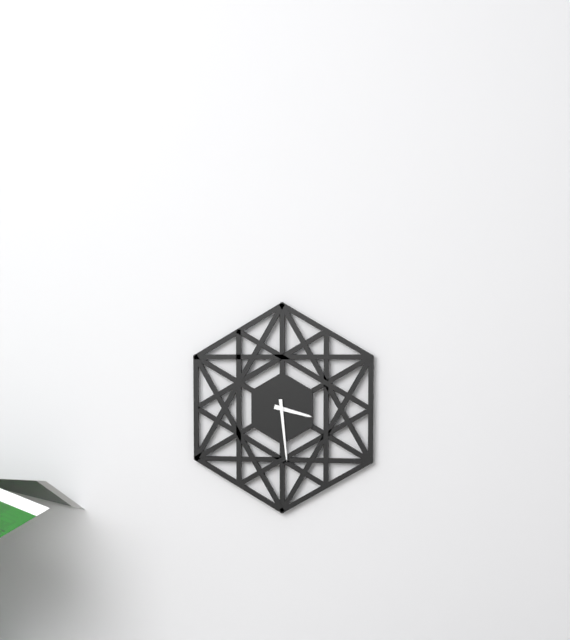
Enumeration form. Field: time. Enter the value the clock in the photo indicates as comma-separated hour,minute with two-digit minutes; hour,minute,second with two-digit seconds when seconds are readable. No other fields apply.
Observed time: 3,29
